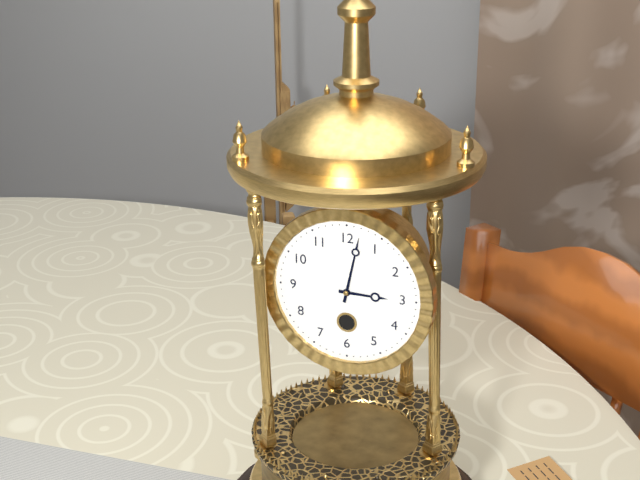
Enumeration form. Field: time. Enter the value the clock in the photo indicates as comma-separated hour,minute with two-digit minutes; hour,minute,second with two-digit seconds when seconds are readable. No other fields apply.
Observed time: 3,02
